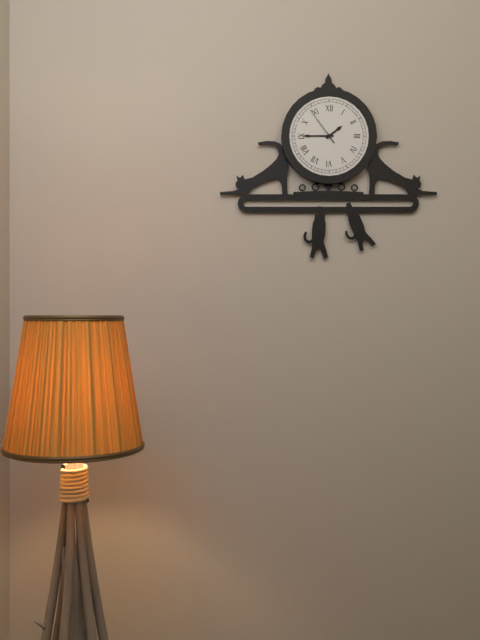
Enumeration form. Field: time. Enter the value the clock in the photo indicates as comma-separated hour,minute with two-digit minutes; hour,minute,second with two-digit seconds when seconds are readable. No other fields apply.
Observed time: 1,45
